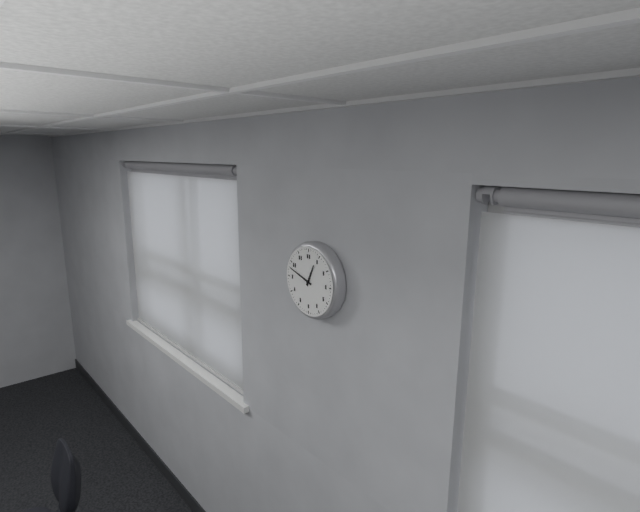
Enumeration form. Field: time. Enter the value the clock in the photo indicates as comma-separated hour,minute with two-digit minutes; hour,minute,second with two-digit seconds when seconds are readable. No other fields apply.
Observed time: 12,48
